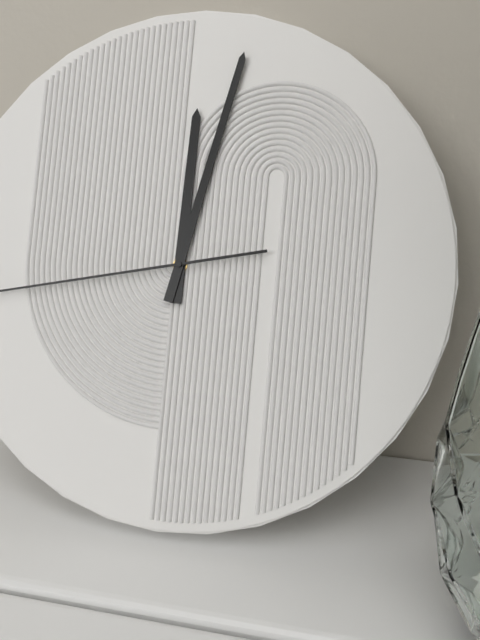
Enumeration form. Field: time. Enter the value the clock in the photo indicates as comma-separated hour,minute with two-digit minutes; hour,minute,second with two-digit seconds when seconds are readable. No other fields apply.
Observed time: 12,02
